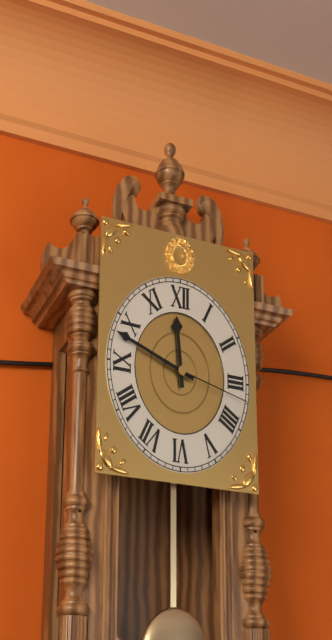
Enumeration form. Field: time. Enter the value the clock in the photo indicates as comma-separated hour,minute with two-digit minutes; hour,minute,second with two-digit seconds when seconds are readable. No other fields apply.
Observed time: 11,48,17
